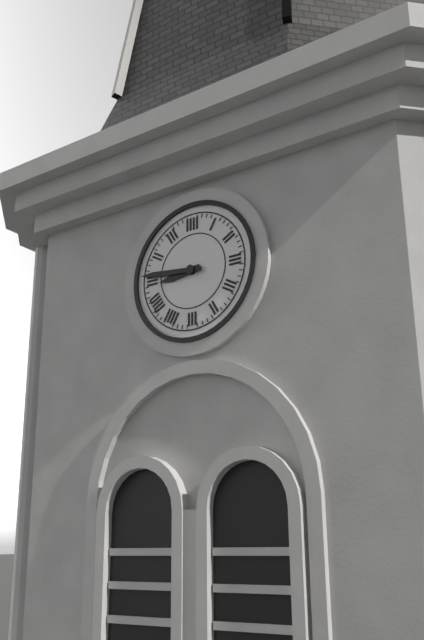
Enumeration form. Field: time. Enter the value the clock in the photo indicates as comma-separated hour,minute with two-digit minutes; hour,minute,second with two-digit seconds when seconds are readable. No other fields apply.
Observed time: 8,46
